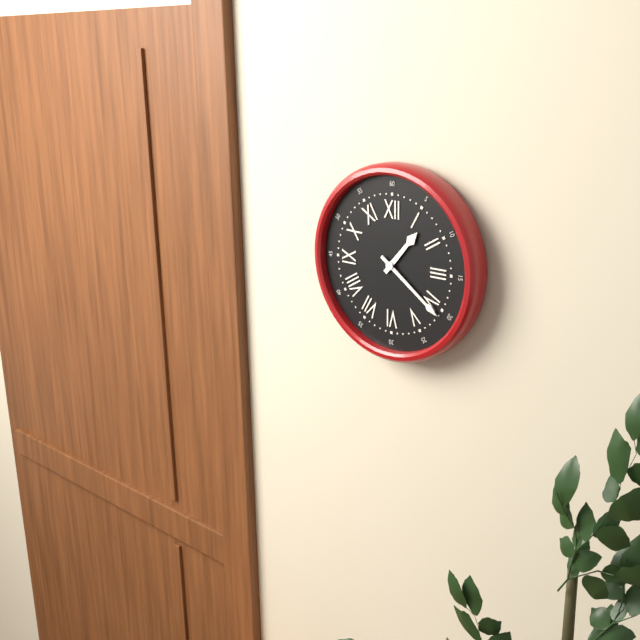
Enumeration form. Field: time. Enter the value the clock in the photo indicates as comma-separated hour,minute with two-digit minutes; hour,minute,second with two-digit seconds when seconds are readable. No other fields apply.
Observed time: 1,21
